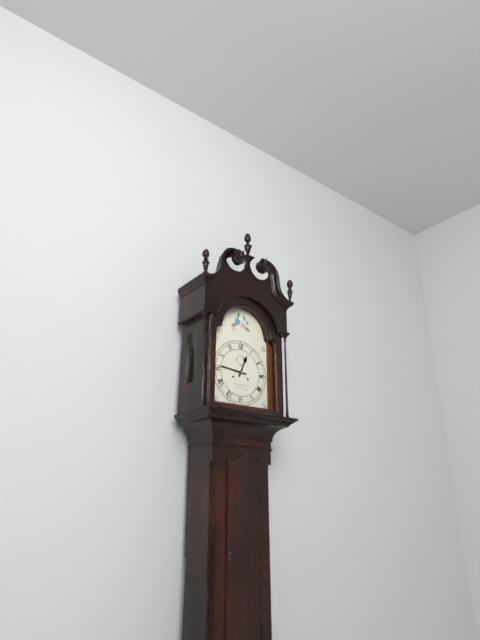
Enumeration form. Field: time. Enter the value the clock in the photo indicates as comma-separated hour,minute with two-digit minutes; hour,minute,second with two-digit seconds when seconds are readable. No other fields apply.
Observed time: 12,46
